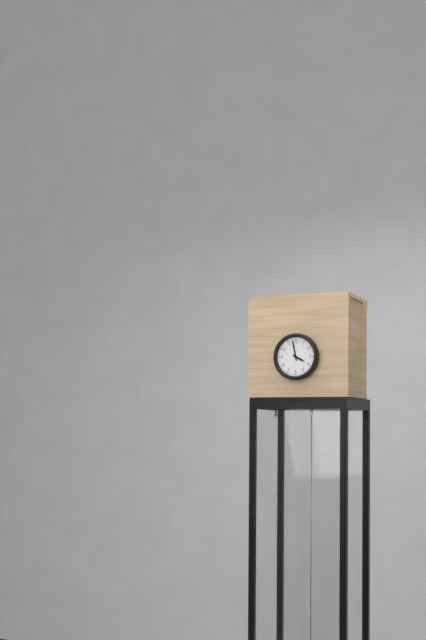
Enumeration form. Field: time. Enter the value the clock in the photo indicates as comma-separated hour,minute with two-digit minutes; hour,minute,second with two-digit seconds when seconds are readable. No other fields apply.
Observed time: 3,58
